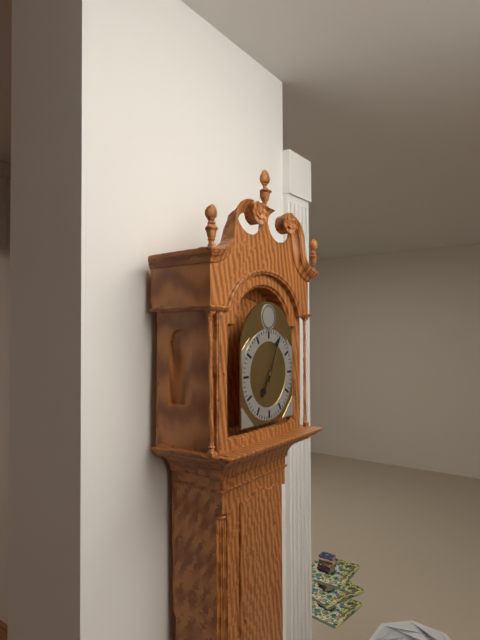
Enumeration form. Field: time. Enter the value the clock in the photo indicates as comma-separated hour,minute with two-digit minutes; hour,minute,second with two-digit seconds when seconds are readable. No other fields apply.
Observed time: 7,04
